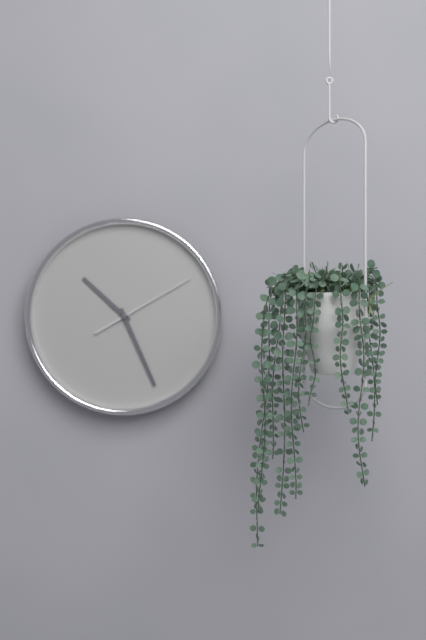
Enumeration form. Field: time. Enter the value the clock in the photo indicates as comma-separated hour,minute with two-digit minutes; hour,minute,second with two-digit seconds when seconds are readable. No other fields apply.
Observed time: 10,26,10
